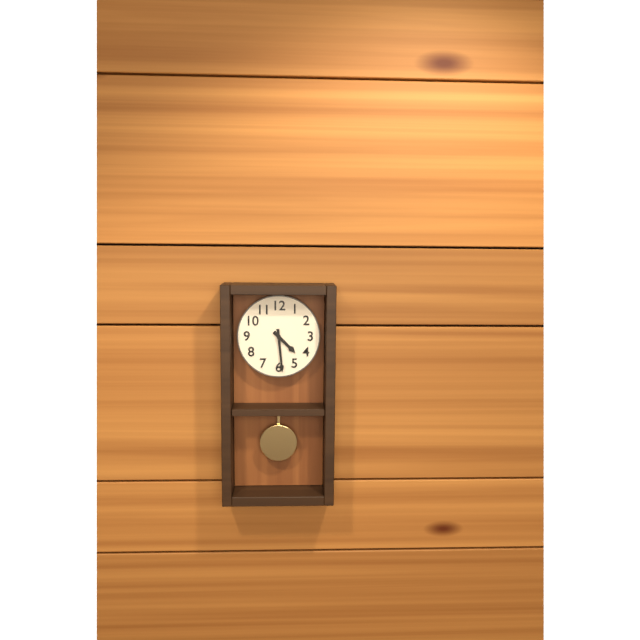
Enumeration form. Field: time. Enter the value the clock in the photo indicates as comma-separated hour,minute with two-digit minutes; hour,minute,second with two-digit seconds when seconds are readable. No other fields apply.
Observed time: 4,29
